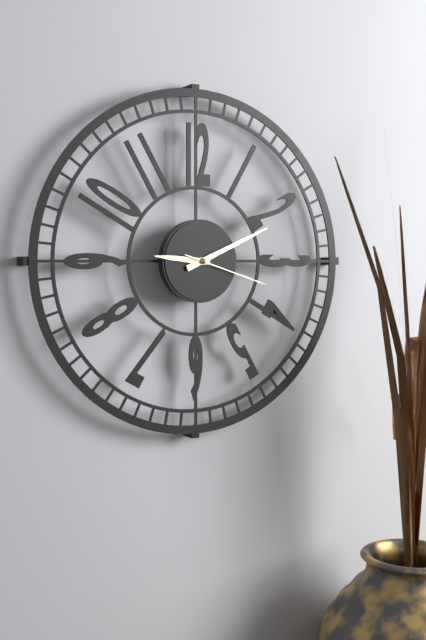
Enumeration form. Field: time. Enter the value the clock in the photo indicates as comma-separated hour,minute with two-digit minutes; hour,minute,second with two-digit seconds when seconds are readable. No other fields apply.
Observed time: 9,11,18
